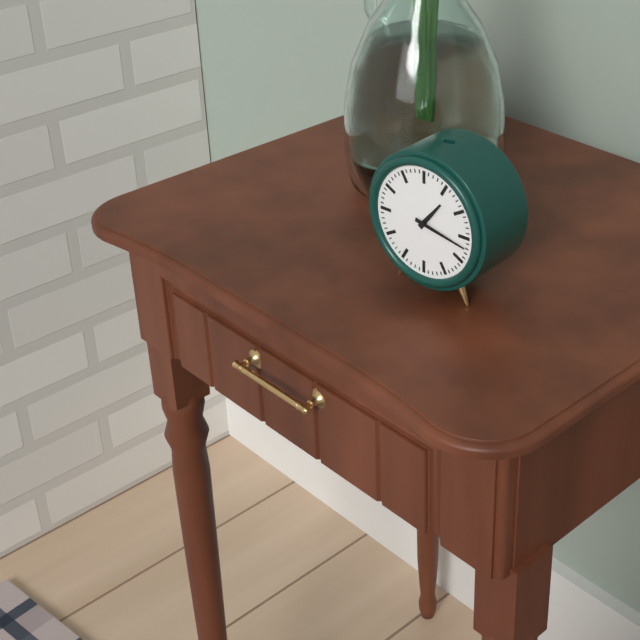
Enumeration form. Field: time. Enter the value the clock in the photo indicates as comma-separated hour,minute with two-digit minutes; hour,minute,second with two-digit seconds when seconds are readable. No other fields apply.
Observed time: 1,17
